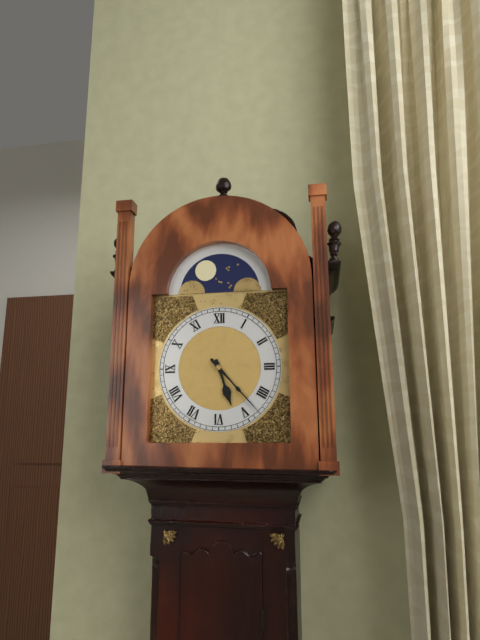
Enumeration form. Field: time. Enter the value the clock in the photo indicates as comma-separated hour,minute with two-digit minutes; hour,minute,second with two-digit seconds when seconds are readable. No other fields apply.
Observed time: 5,23
